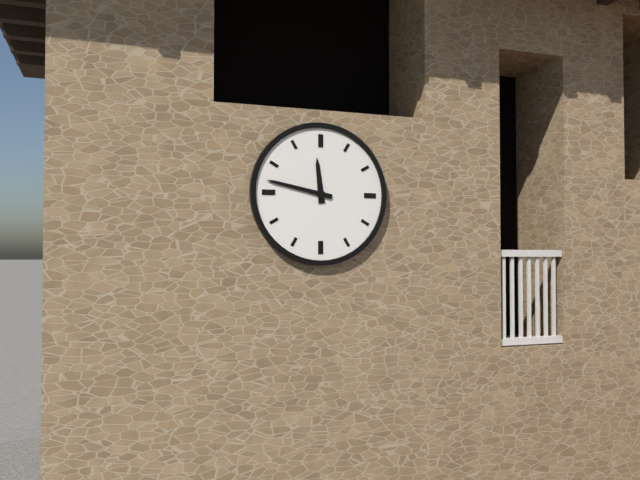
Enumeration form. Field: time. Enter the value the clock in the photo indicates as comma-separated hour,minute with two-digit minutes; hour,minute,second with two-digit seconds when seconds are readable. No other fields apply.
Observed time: 11,47
